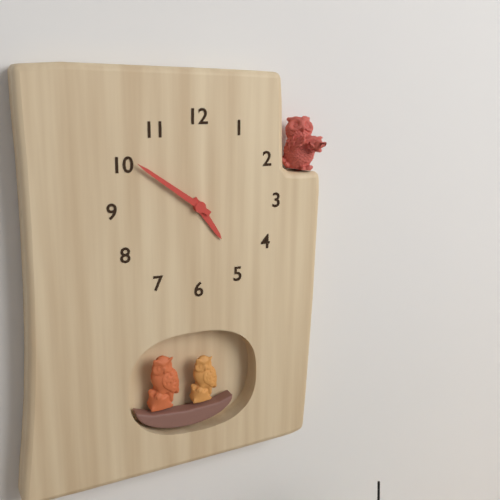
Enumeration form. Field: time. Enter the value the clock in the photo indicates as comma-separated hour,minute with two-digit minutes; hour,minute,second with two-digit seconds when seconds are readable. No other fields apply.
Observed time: 4,51
